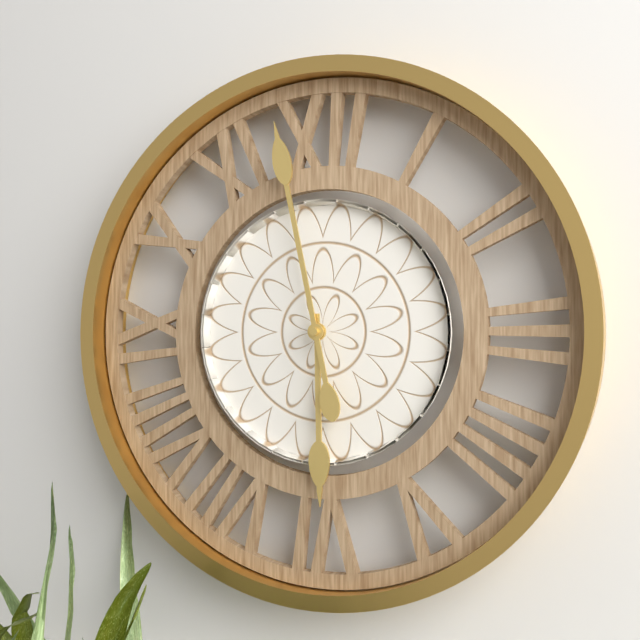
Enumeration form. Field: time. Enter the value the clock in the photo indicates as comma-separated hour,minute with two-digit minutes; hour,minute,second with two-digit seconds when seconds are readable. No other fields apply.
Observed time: 5,58
